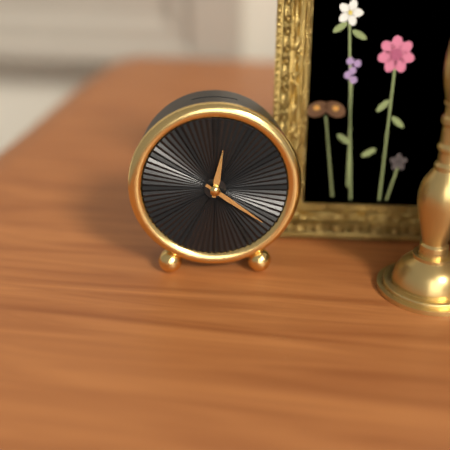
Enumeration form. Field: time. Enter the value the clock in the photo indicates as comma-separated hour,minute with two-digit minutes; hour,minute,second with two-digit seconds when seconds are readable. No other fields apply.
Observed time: 12,21
